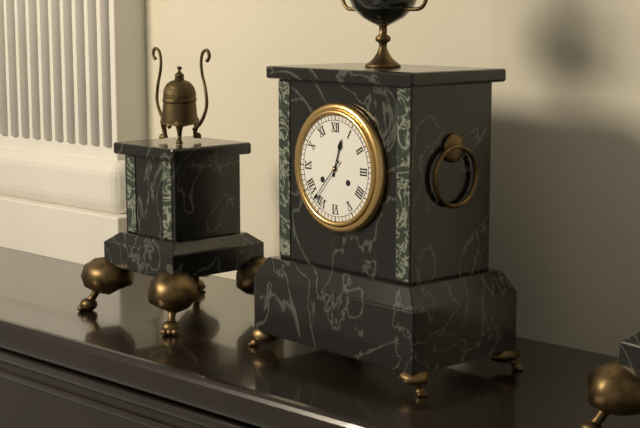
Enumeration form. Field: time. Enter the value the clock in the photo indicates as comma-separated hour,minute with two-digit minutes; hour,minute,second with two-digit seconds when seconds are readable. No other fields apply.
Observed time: 12,37
